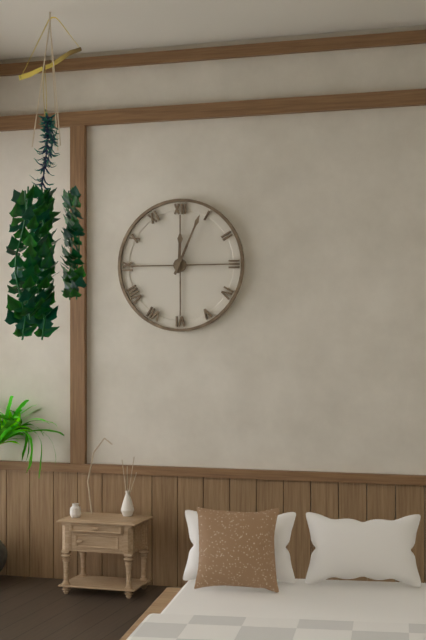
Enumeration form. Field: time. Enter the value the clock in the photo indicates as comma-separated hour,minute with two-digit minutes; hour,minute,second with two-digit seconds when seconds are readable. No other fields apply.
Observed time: 12,04
